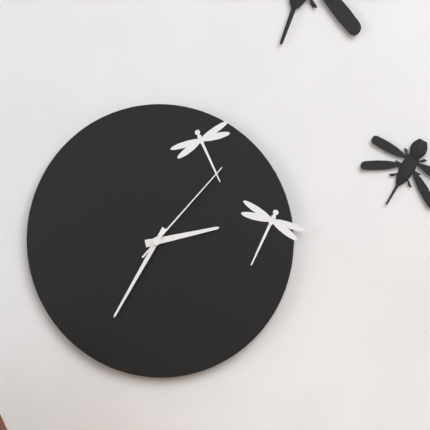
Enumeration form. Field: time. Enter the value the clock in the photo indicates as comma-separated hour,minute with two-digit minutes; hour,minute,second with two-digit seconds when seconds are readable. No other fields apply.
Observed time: 2,35,07
